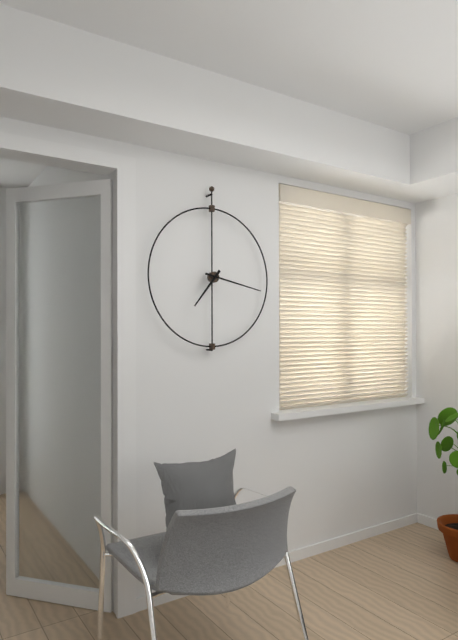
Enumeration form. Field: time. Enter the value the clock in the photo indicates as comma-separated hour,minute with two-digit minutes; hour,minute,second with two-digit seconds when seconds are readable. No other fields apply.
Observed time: 7,17
